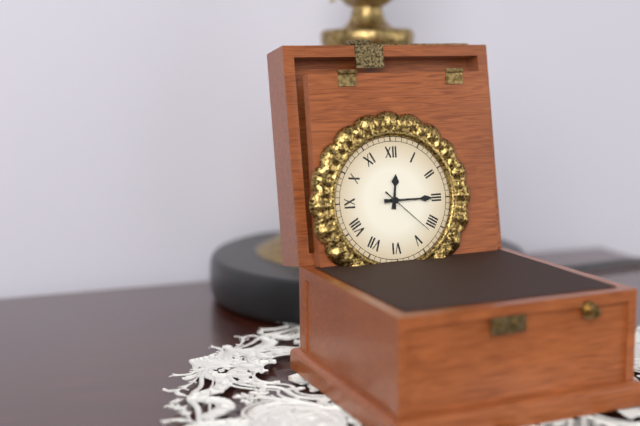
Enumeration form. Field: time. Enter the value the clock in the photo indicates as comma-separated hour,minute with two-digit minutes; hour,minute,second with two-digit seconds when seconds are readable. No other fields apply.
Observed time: 12,15,22
